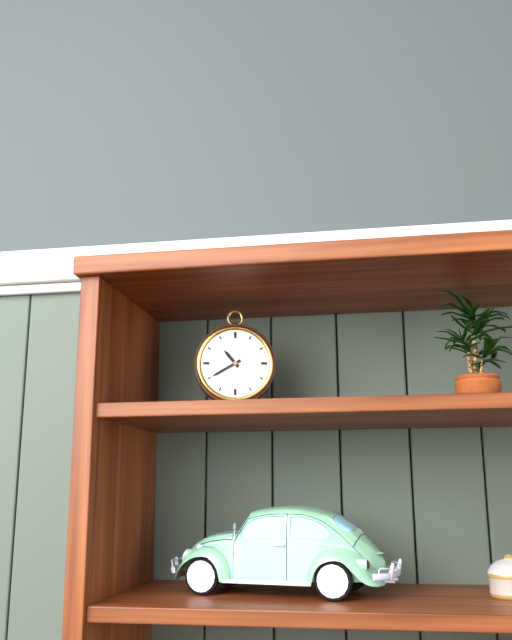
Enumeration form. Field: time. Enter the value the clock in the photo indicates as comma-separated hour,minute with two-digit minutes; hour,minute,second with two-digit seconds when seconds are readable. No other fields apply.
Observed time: 10,40
